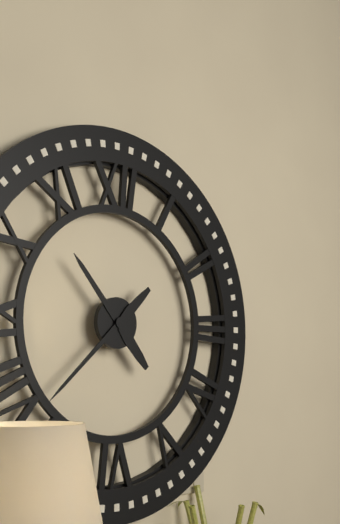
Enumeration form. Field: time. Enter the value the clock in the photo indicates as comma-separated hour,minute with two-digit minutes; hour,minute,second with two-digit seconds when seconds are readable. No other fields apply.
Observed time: 10,38
